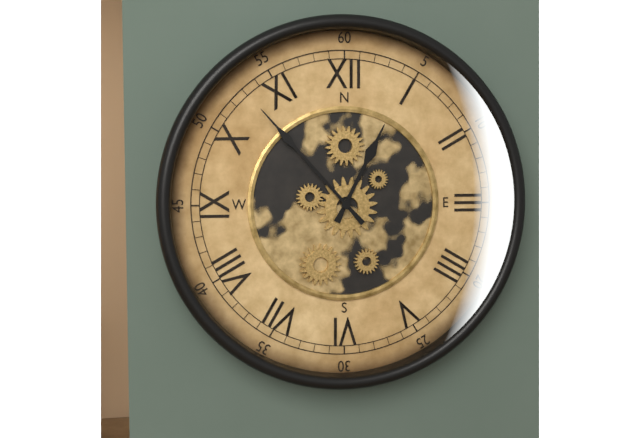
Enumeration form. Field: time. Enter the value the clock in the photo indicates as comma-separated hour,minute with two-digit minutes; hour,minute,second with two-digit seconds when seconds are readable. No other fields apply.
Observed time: 12,53
